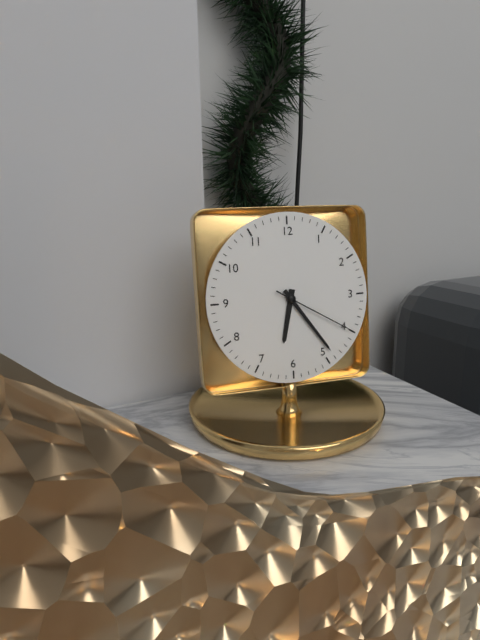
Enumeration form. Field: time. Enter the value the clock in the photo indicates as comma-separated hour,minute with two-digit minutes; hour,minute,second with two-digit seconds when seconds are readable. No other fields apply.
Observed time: 6,24,20
